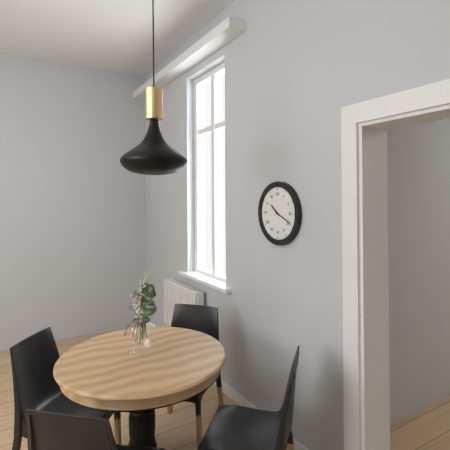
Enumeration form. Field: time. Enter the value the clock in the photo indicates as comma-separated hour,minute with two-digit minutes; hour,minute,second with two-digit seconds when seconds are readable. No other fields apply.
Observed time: 10,19
